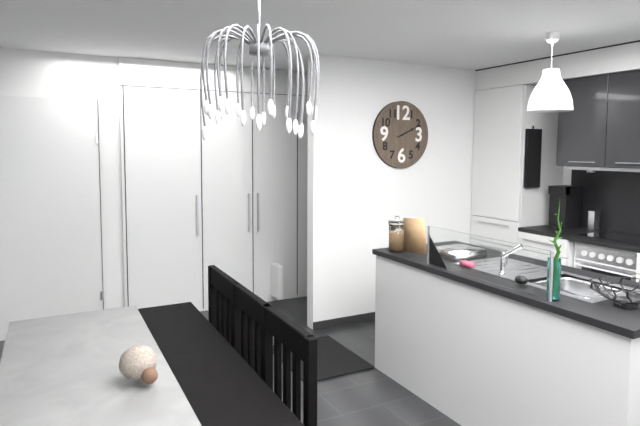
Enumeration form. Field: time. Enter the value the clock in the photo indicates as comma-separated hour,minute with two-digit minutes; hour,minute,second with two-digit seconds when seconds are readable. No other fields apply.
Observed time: 2,11
